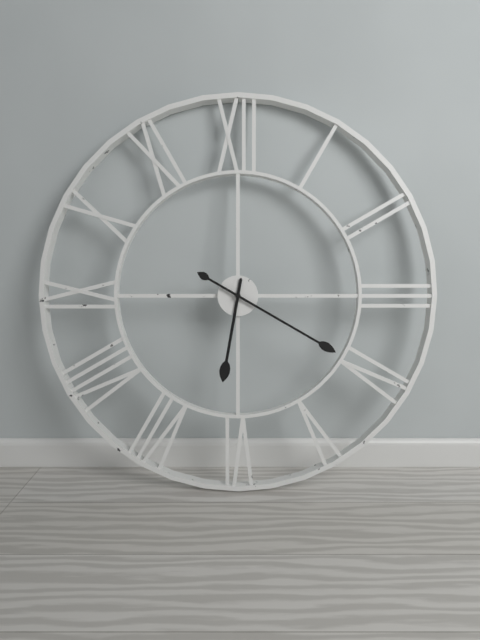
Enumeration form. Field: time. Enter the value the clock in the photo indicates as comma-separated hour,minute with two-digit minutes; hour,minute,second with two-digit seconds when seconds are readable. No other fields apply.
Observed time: 6,20
